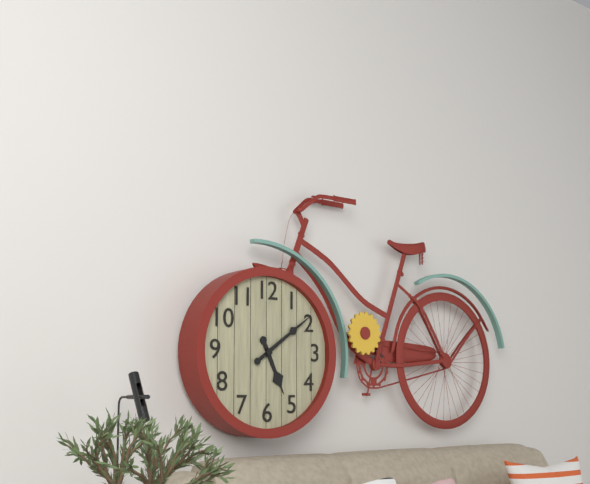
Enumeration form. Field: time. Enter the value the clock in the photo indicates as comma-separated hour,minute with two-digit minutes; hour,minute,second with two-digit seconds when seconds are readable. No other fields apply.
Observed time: 5,09
